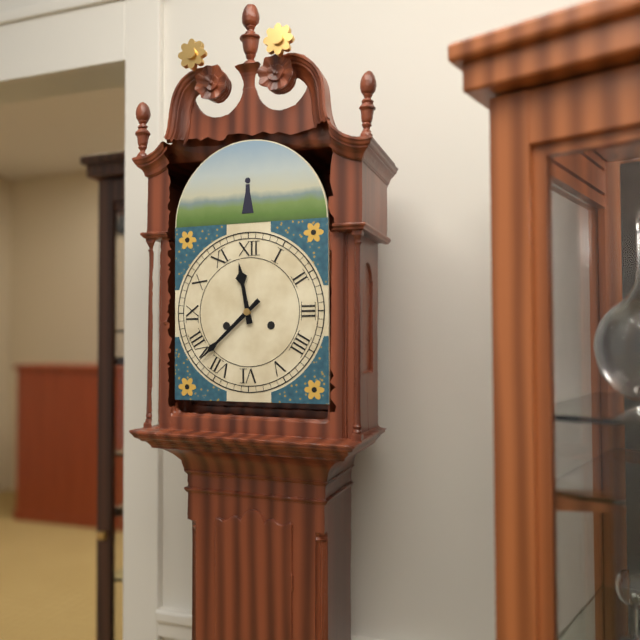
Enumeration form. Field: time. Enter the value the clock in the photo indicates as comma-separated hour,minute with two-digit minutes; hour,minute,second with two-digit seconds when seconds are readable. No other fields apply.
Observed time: 11,38
